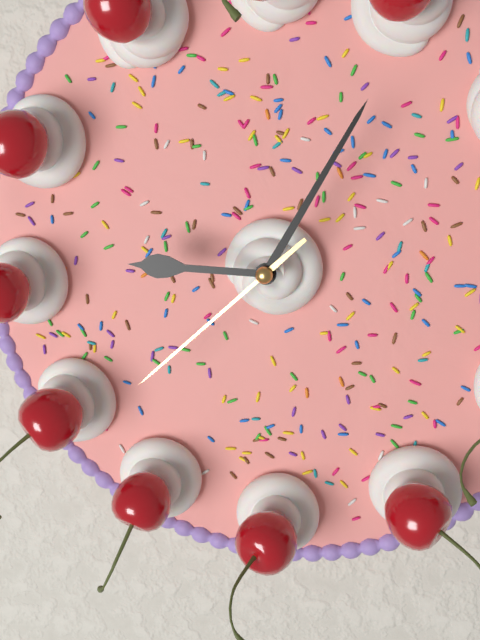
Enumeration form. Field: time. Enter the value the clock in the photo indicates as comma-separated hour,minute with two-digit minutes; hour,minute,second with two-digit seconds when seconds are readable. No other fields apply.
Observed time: 9,05,38
